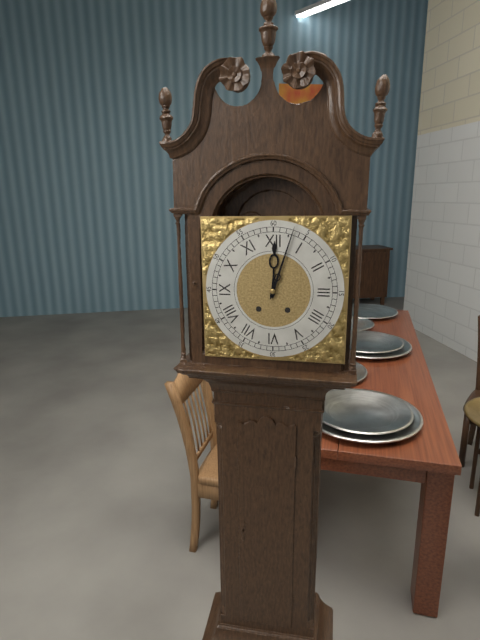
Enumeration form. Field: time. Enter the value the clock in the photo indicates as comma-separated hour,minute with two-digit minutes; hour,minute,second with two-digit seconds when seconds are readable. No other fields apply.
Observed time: 12,03
